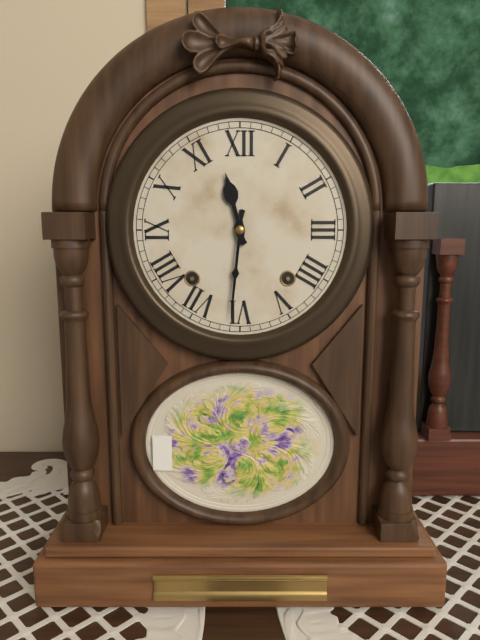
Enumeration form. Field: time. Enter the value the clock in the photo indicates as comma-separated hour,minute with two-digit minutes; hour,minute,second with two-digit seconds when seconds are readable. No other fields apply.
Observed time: 11,31
